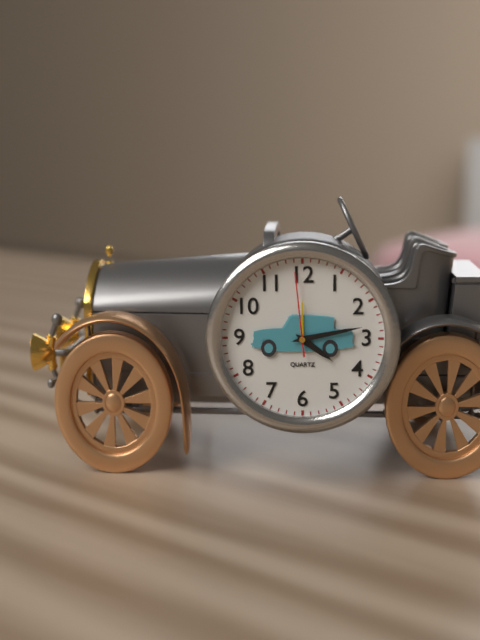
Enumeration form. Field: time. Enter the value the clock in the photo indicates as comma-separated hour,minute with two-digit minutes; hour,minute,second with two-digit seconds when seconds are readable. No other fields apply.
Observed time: 4,13,59
